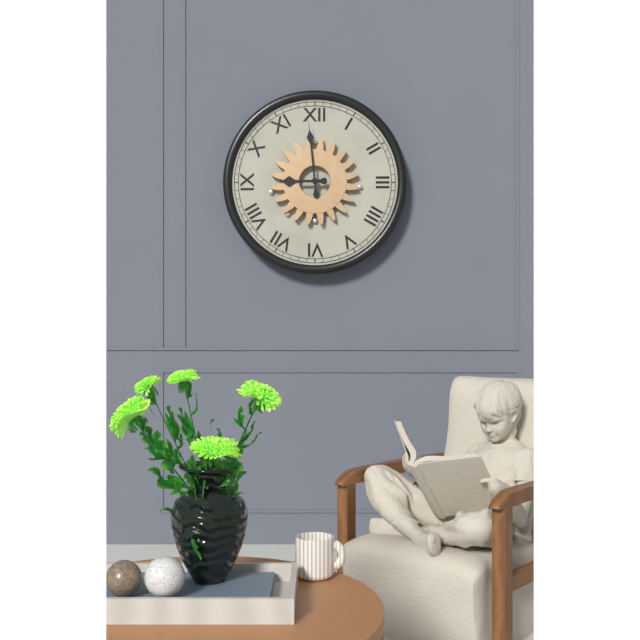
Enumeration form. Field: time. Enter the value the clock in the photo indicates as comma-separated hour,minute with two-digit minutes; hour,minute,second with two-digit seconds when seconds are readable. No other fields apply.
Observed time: 8,59
